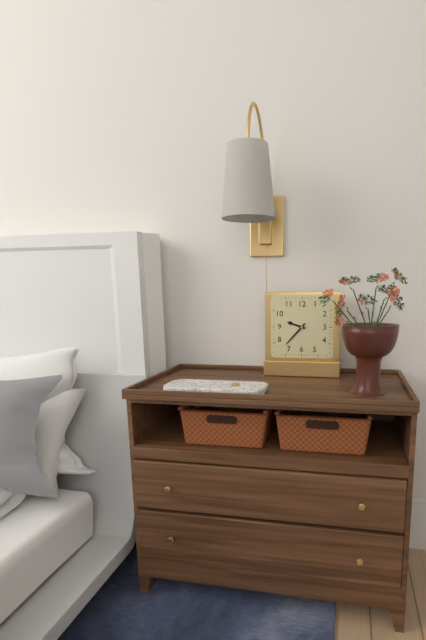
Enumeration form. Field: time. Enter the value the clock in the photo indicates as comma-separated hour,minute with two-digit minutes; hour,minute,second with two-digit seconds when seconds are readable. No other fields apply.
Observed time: 9,37
